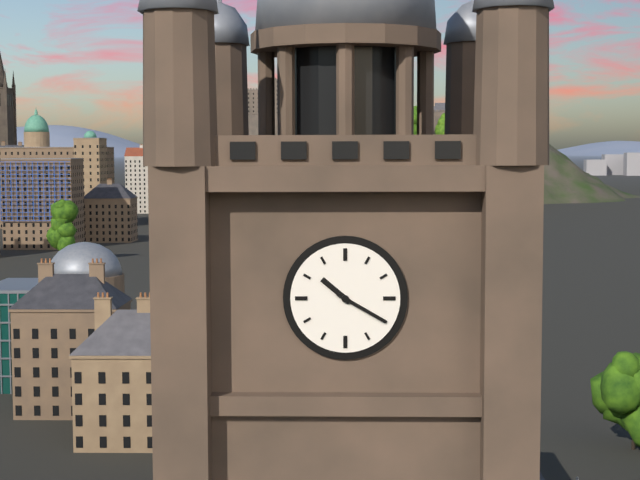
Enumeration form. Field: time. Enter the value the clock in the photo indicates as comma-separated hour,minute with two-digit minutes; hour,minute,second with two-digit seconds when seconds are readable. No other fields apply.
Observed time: 10,20
